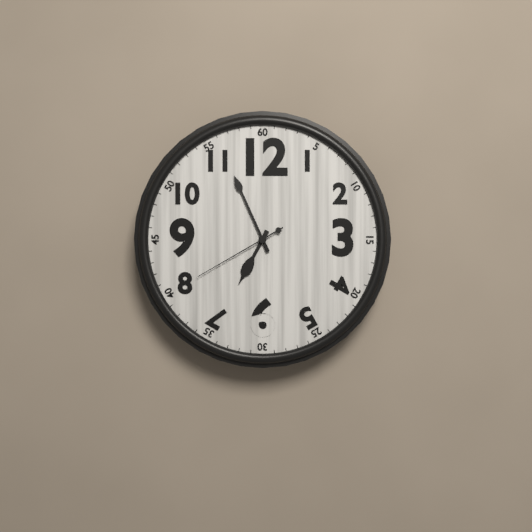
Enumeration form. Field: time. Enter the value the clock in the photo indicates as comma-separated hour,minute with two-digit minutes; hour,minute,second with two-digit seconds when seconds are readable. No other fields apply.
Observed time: 6,56,40
